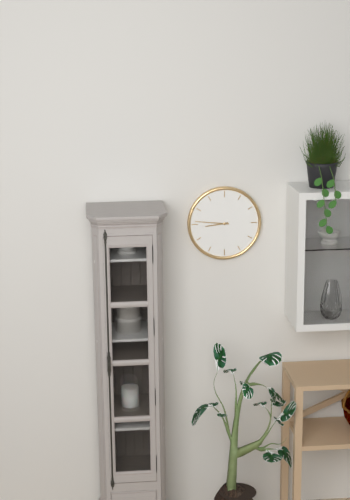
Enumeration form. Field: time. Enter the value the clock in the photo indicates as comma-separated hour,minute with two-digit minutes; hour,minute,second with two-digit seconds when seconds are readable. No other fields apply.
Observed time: 8,46
